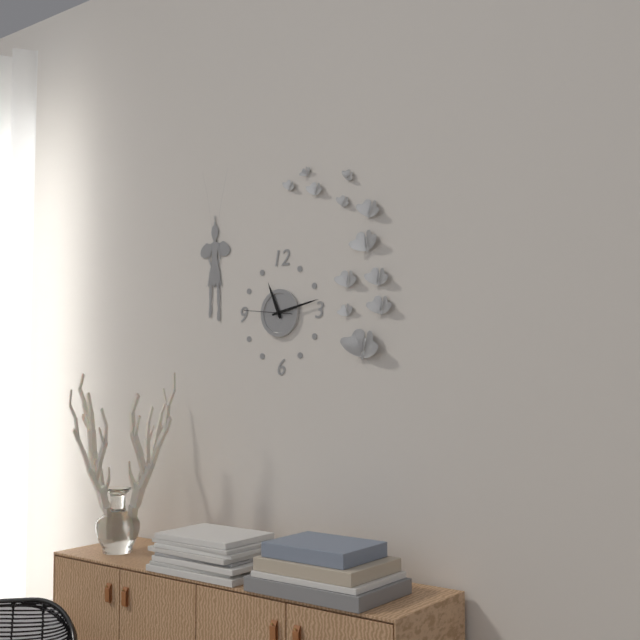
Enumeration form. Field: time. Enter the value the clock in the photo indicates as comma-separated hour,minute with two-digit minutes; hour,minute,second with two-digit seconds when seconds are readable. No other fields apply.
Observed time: 11,13
